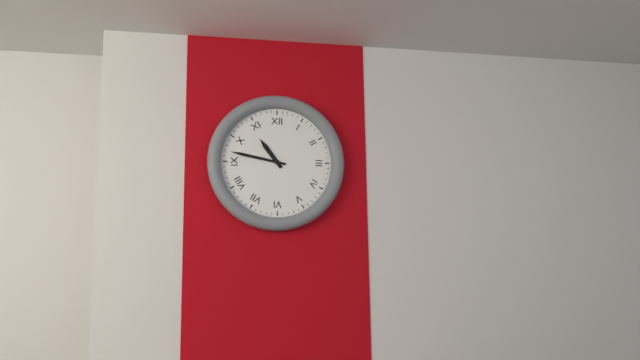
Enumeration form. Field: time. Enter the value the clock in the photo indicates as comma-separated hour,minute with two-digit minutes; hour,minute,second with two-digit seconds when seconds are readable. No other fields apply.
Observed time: 10,47
